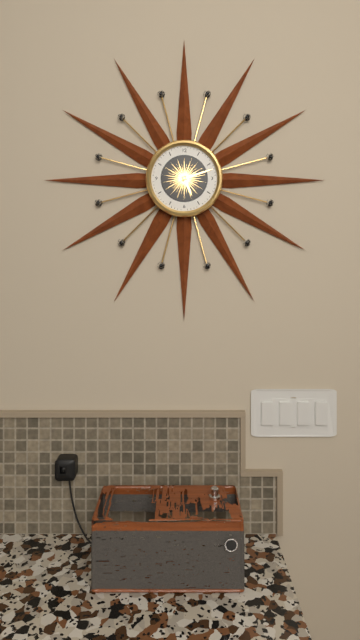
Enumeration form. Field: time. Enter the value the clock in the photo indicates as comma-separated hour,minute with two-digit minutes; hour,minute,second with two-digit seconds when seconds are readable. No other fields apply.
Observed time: 5,12
